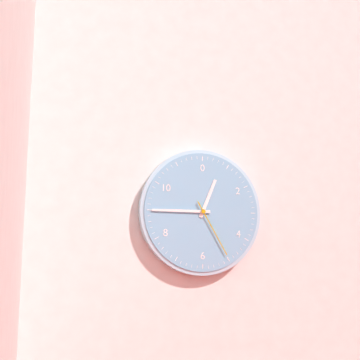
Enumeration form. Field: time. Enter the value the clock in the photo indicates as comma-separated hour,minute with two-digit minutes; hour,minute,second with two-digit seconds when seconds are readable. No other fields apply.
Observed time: 12,45,25
